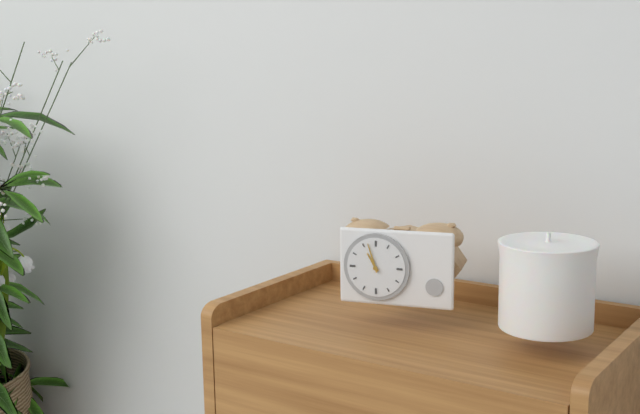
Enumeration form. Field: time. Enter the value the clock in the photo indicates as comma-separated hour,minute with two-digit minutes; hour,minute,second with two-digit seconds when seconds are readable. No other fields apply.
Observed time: 10,57
